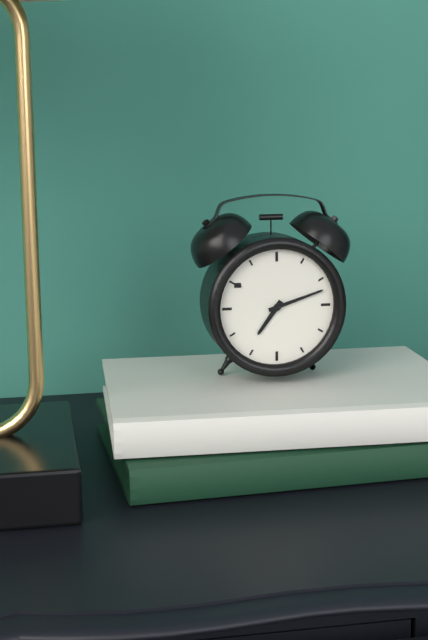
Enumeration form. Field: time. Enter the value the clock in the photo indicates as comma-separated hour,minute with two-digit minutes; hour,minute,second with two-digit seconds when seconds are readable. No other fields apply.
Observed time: 7,12
